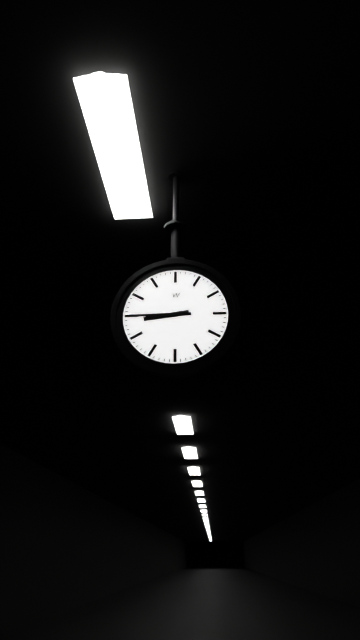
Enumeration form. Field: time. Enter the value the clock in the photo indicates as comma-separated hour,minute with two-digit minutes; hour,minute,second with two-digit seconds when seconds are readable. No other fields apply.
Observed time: 8,45
